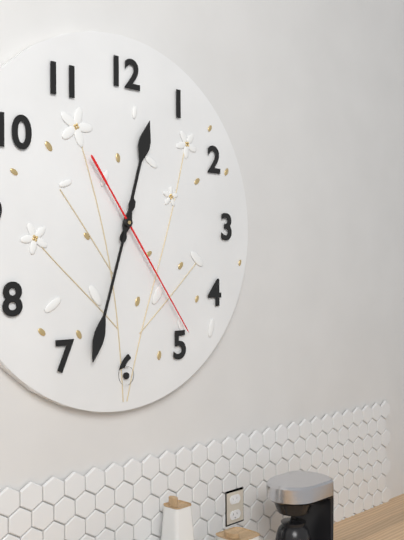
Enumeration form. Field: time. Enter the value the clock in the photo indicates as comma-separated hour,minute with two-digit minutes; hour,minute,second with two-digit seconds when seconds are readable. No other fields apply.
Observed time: 12,33,24
